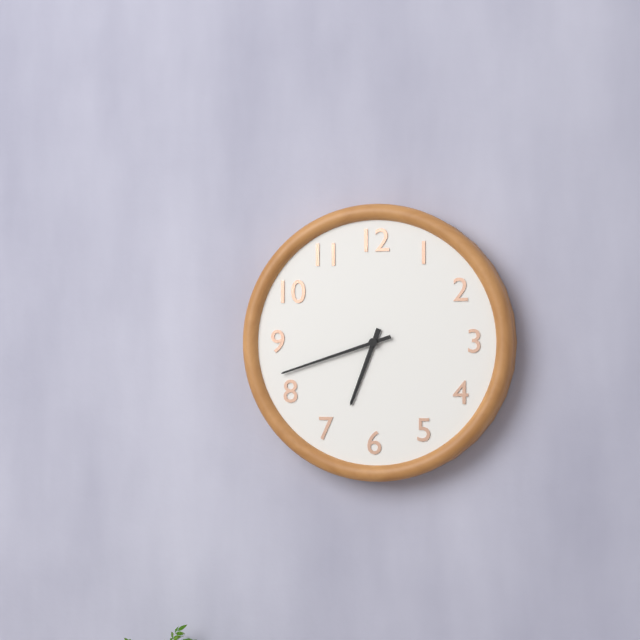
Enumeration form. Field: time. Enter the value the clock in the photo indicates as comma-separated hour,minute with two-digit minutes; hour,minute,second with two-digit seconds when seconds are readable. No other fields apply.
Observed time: 6,42
